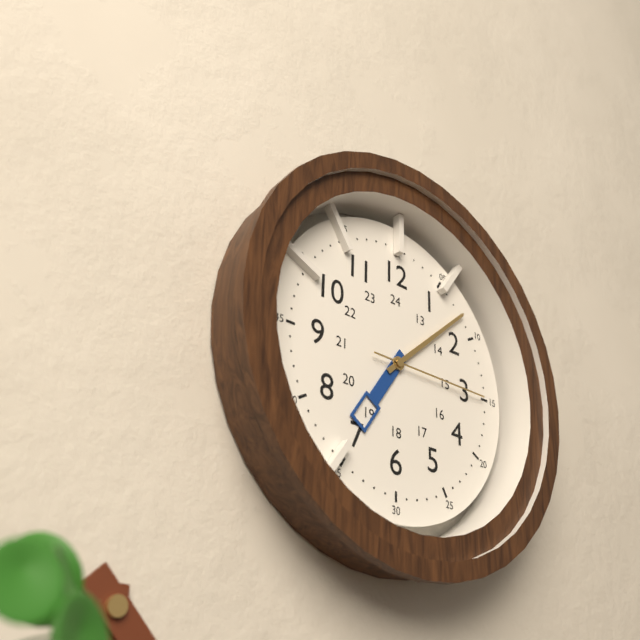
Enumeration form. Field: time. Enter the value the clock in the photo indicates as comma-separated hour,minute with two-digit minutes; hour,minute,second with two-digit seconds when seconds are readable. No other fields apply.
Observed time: 7,08,15
